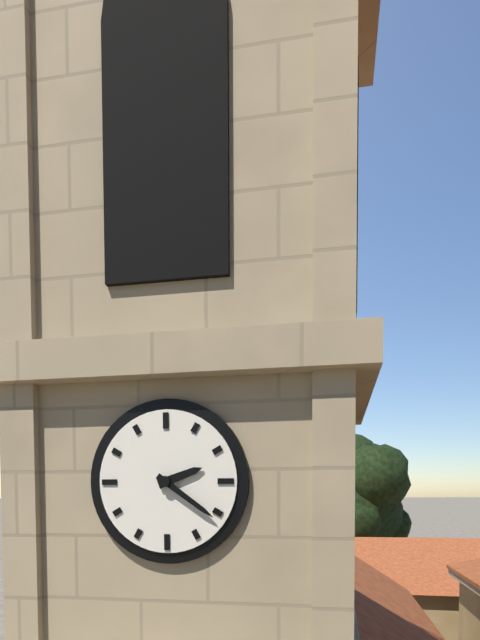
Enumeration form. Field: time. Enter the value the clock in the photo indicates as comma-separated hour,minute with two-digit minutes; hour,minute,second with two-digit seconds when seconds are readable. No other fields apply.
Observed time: 2,21
